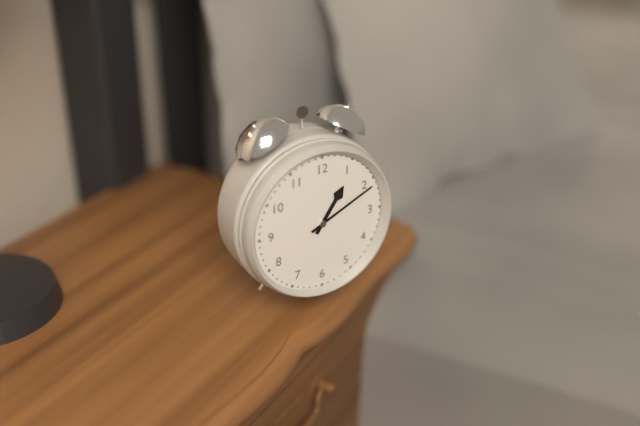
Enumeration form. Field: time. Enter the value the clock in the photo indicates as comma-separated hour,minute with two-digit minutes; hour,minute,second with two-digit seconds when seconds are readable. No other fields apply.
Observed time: 1,11
